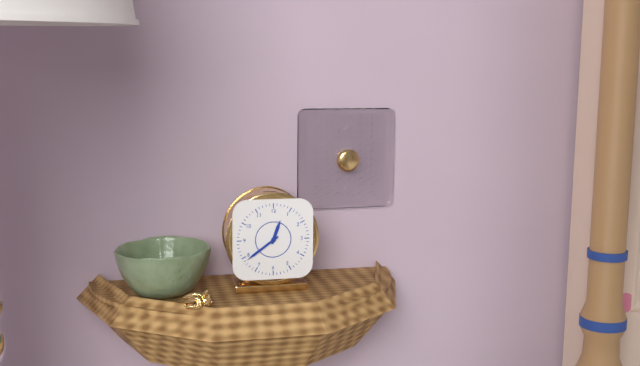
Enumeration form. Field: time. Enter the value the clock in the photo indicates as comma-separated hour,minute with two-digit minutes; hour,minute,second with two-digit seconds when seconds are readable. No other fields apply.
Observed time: 12,39
